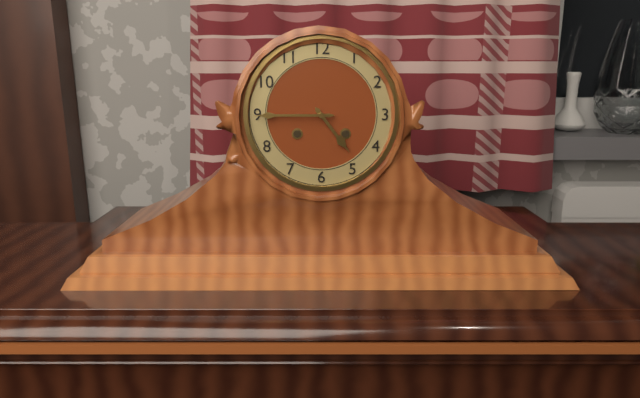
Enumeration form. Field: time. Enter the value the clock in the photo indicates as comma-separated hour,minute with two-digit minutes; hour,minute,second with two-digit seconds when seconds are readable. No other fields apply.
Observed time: 4,45
